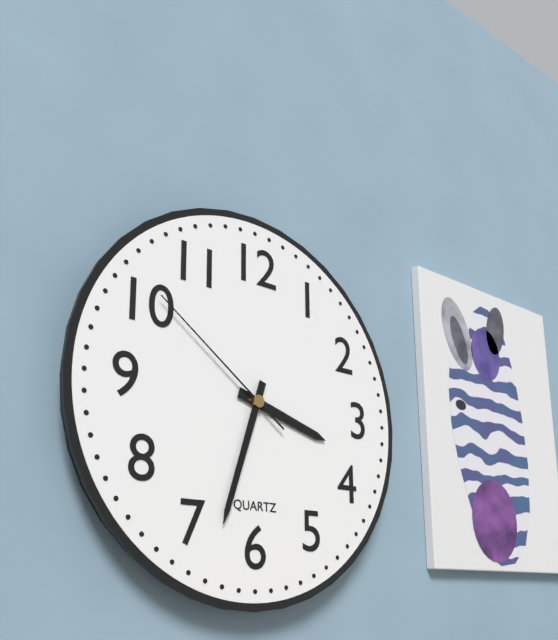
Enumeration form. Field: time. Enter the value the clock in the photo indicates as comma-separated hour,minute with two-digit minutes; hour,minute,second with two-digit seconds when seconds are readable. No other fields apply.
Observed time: 3,33,51
